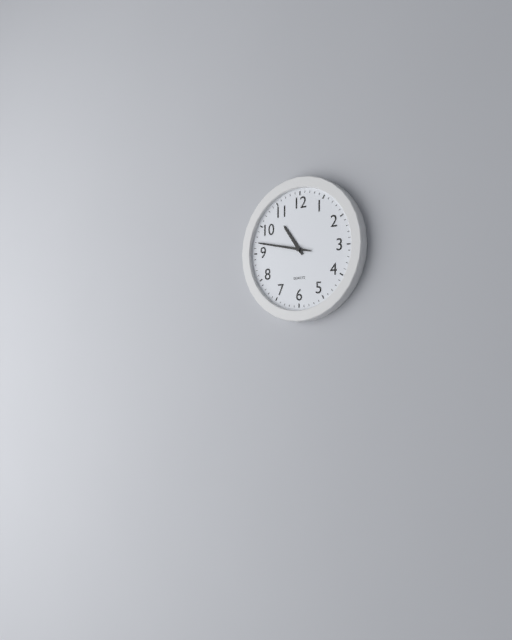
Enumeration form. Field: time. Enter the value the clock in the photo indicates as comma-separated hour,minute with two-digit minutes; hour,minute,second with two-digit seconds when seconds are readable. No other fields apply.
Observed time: 10,47
